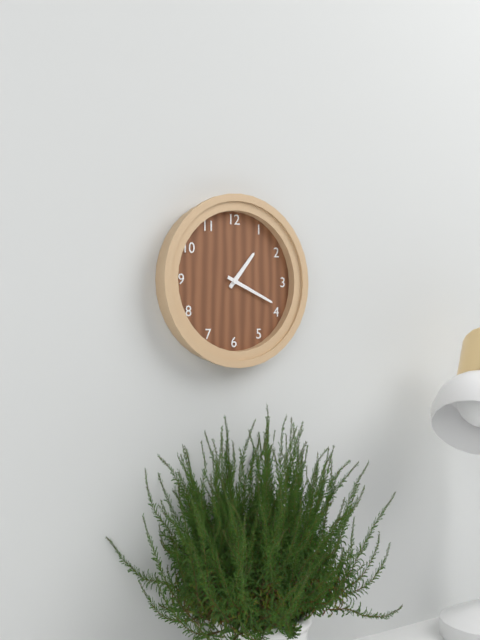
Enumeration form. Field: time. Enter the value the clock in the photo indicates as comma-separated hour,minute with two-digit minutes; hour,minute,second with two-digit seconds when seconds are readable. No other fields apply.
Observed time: 1,19
